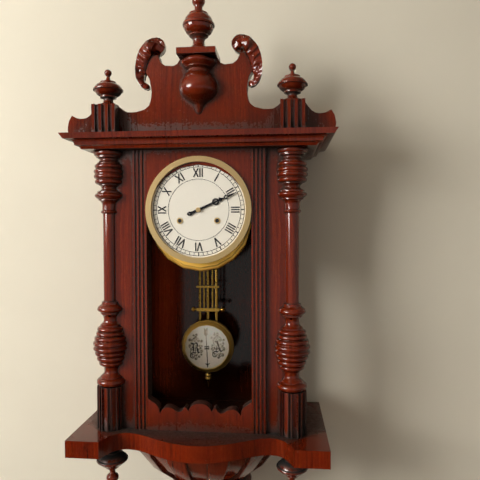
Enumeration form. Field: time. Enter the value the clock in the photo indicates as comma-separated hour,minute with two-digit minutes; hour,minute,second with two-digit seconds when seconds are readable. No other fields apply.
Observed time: 2,11
